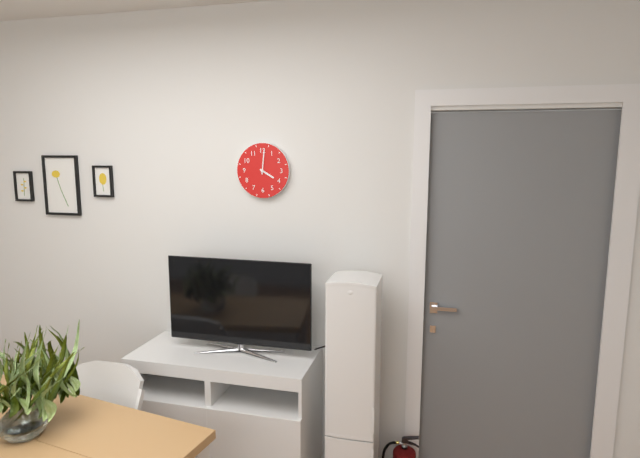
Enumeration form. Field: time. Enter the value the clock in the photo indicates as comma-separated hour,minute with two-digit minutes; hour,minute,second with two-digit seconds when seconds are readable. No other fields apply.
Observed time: 4,01
